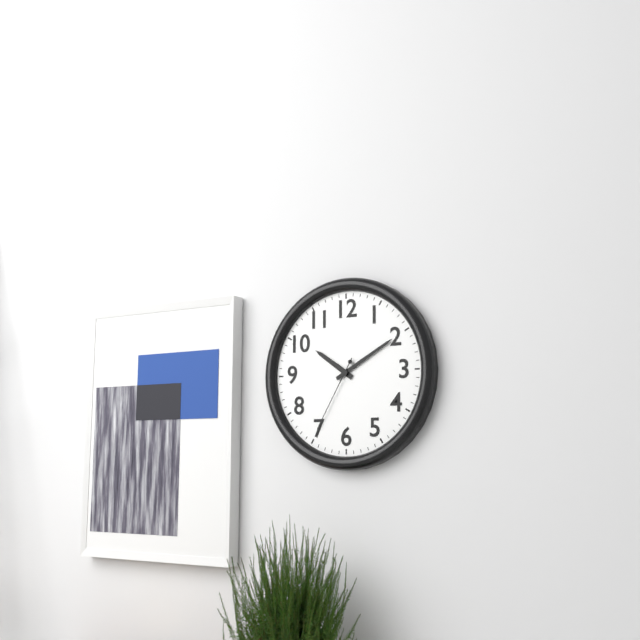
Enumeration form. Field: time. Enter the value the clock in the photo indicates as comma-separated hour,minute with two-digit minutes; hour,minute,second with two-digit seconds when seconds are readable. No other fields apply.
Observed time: 10,10,35
